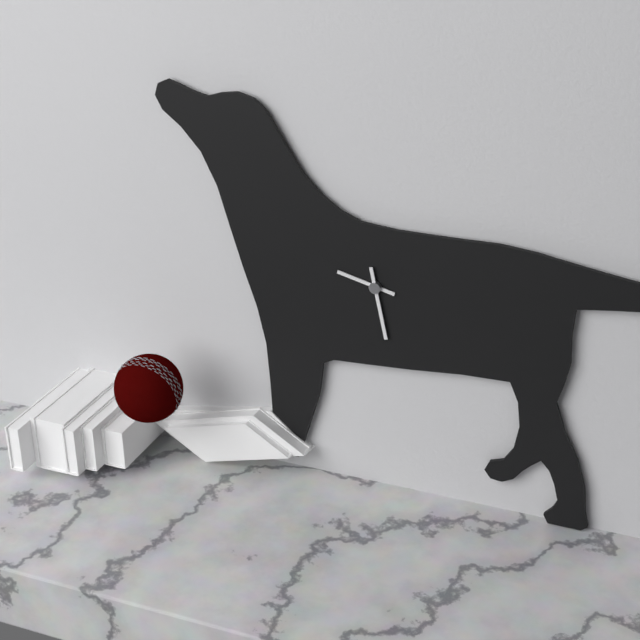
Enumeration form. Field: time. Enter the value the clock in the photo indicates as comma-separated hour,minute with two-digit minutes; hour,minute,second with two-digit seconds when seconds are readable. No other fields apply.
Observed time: 9,28
